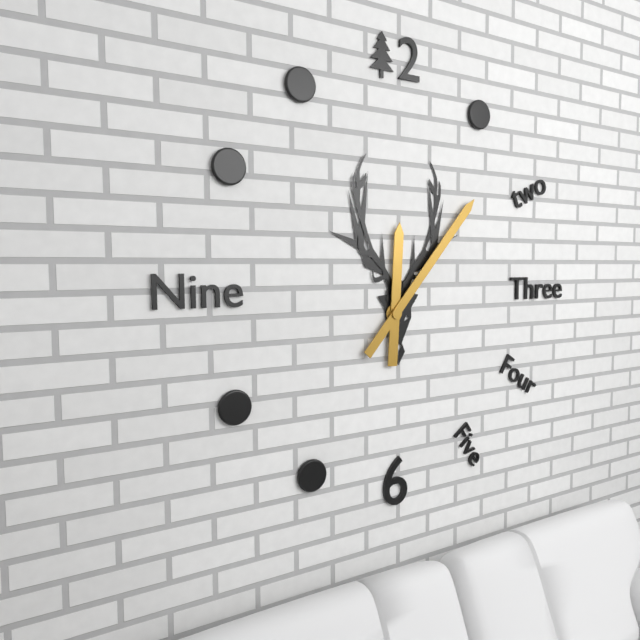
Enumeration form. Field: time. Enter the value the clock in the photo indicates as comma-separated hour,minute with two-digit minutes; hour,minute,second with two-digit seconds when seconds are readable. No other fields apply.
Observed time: 12,07
